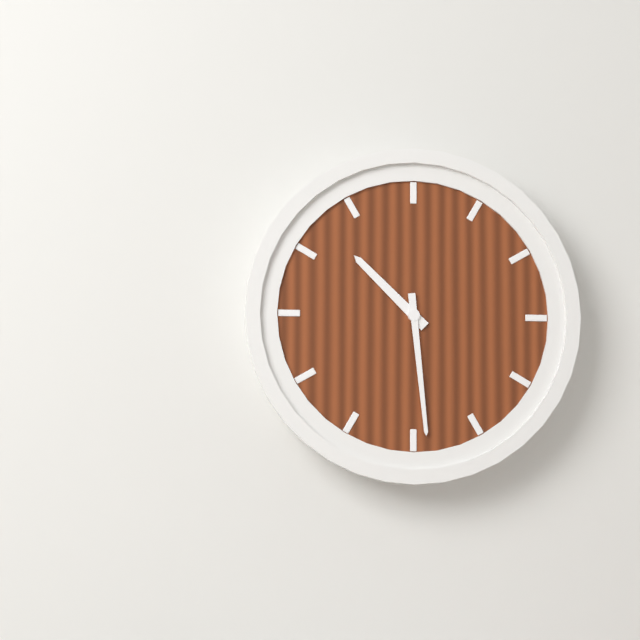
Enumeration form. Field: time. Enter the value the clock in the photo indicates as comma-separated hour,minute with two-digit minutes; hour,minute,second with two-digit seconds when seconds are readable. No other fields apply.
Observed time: 10,29
